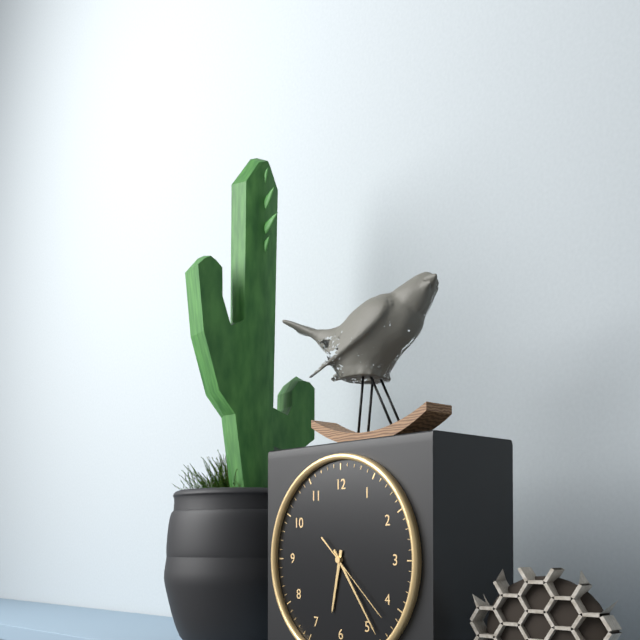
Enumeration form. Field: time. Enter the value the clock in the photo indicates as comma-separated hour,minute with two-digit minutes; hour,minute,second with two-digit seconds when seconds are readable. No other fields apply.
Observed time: 6,24,22
